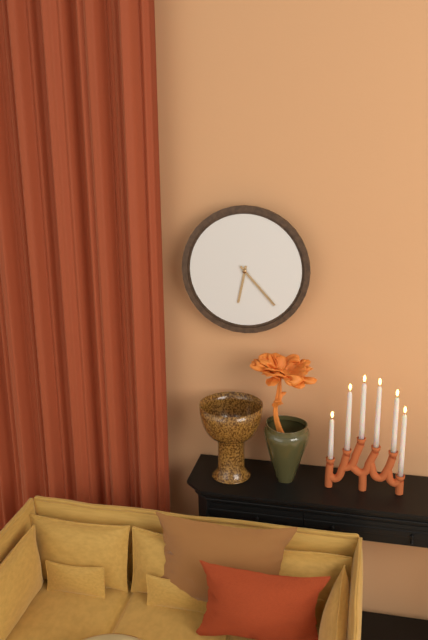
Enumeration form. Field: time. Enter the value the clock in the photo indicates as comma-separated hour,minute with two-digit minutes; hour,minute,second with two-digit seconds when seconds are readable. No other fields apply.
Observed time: 6,23
